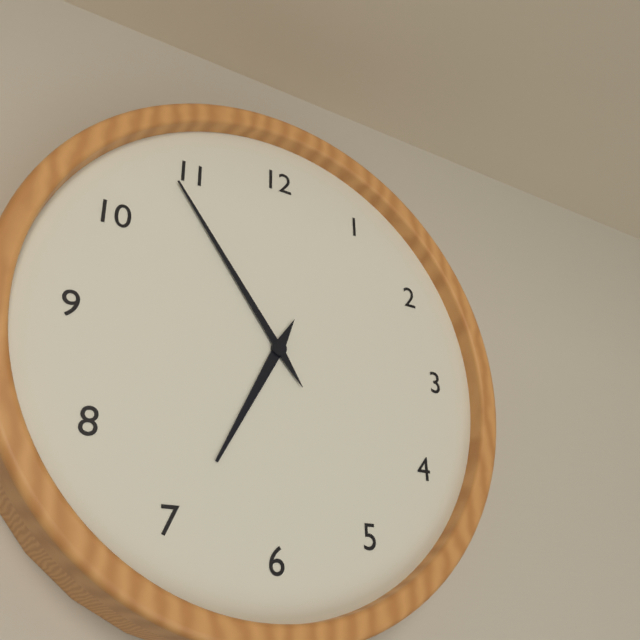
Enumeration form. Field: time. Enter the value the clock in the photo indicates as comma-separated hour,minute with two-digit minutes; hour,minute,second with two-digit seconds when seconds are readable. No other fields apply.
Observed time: 6,54
